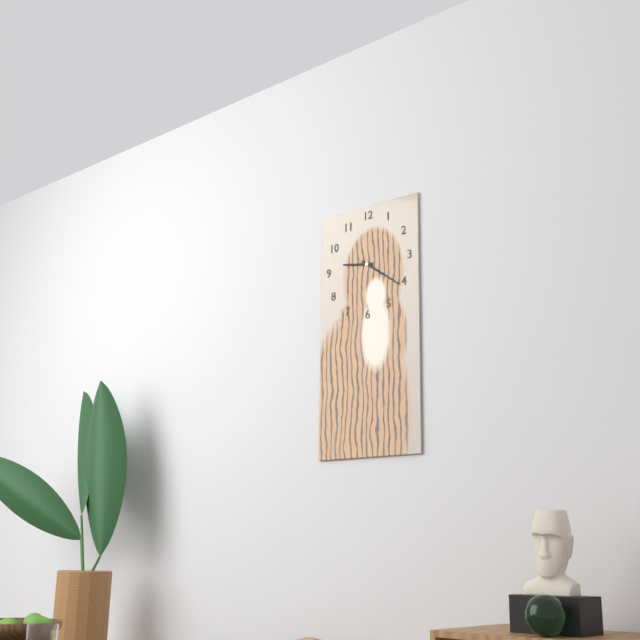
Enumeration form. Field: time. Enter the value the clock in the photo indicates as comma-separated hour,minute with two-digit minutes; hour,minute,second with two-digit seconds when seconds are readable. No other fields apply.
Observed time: 9,21
